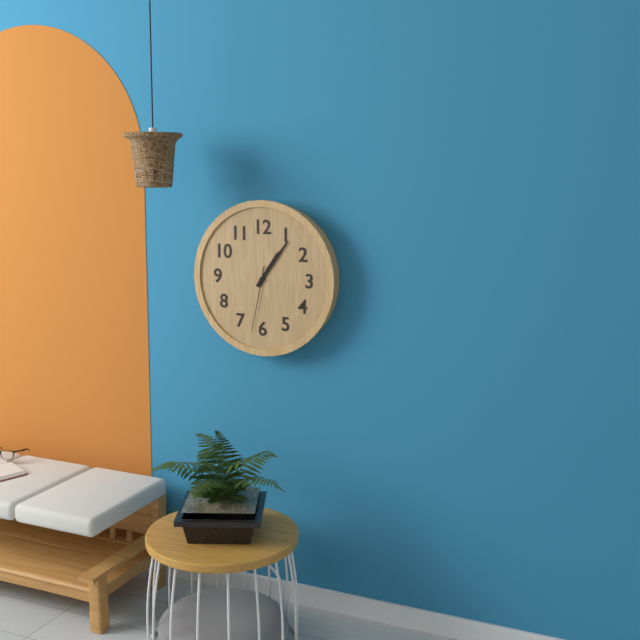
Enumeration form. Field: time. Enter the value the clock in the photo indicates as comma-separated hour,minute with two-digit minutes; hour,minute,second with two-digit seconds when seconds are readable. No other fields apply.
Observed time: 1,06,32
